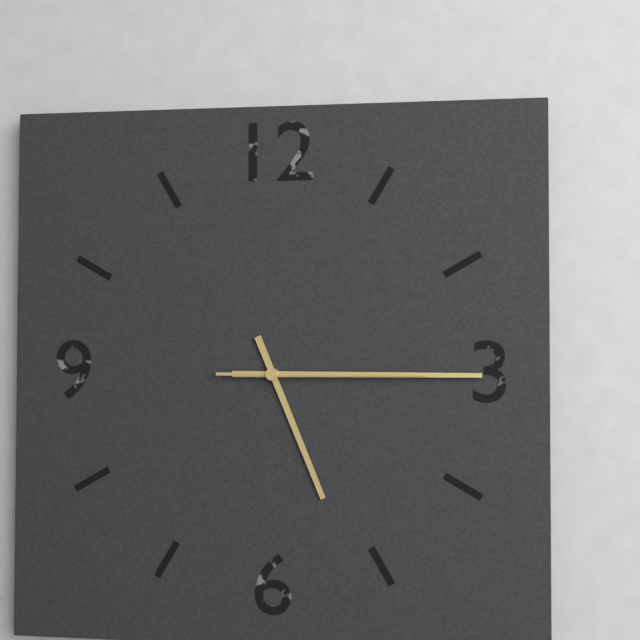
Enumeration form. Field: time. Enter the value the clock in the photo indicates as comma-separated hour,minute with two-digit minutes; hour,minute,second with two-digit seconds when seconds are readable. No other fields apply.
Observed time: 5,15,15
